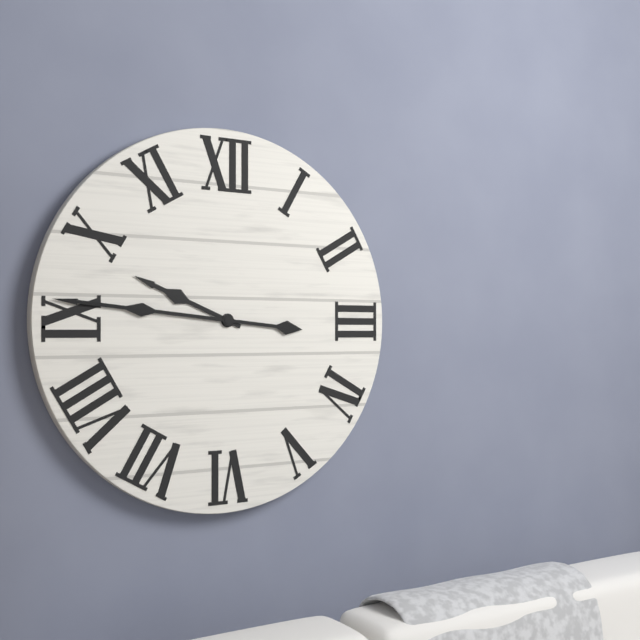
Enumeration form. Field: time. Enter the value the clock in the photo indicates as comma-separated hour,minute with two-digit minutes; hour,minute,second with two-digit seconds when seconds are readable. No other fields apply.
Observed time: 9,46
